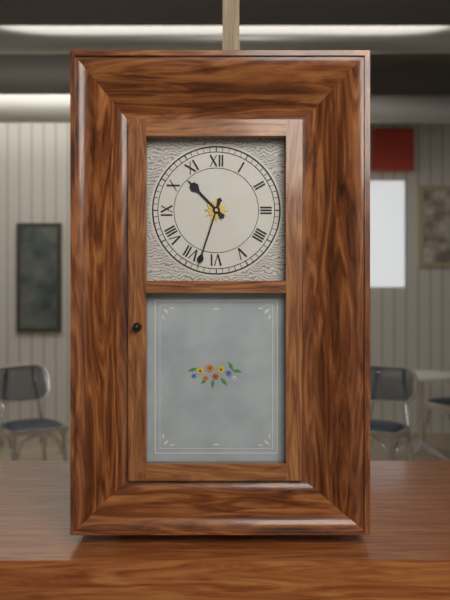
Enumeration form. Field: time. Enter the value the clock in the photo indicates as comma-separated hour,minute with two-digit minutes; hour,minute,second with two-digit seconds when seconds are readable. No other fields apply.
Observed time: 10,33
